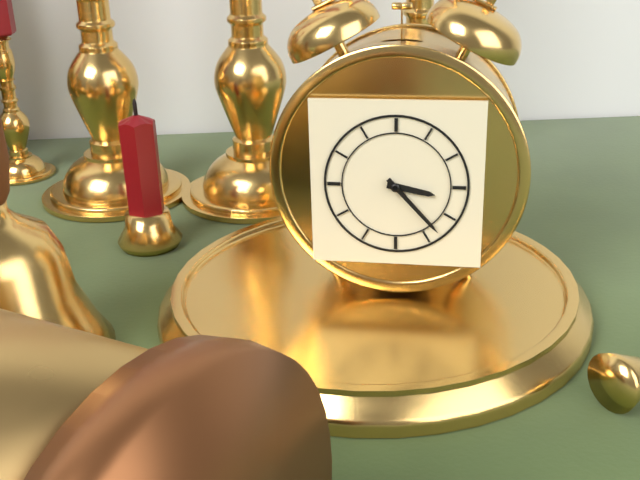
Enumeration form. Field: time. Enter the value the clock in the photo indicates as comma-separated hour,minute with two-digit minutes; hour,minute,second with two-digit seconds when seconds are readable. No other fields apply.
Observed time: 3,23
